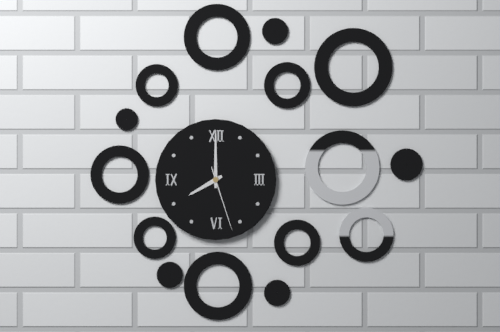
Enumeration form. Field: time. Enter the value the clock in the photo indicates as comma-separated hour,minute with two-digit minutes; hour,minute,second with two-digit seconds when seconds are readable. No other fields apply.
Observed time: 8,00,27
